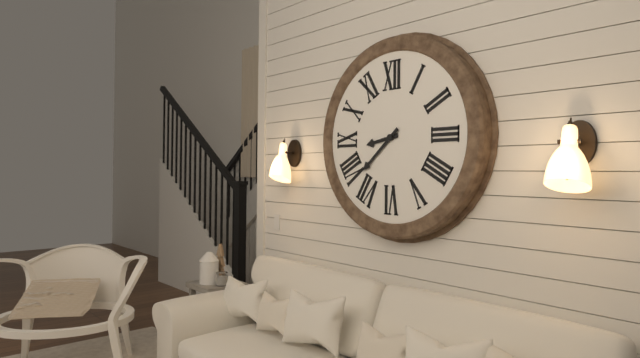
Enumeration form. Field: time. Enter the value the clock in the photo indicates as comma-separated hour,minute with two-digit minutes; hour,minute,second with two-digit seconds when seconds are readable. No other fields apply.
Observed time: 8,38
